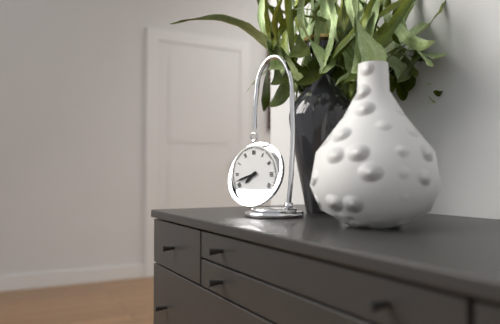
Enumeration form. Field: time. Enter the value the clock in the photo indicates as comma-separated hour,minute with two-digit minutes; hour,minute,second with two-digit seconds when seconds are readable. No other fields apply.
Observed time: 7,42
